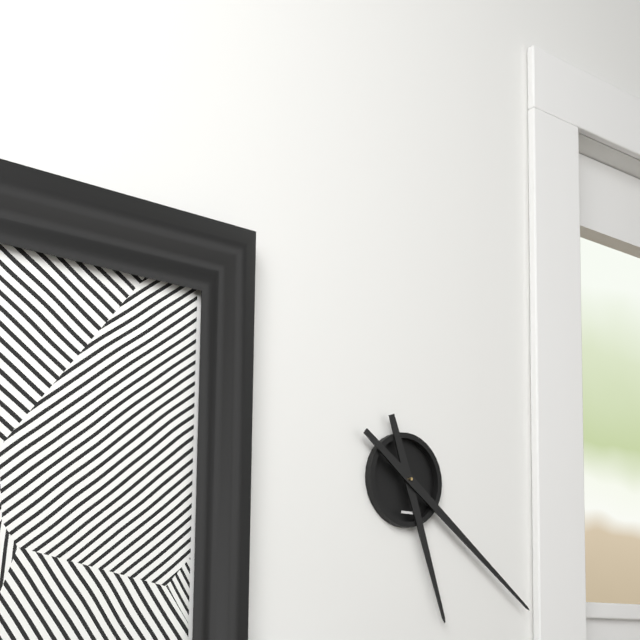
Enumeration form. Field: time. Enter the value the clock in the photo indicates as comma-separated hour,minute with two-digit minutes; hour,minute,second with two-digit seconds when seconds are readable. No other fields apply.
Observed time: 5,21
